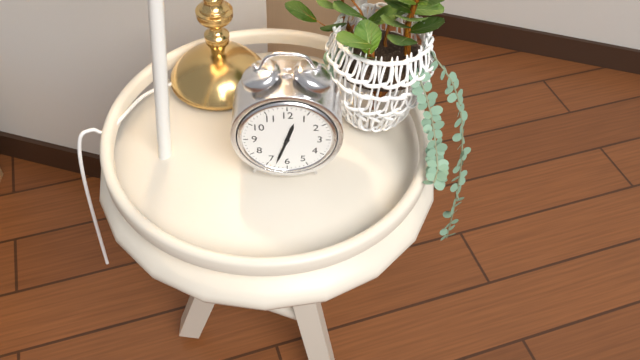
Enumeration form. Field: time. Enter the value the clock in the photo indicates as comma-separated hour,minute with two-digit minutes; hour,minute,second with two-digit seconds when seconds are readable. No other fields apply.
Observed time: 12,33
